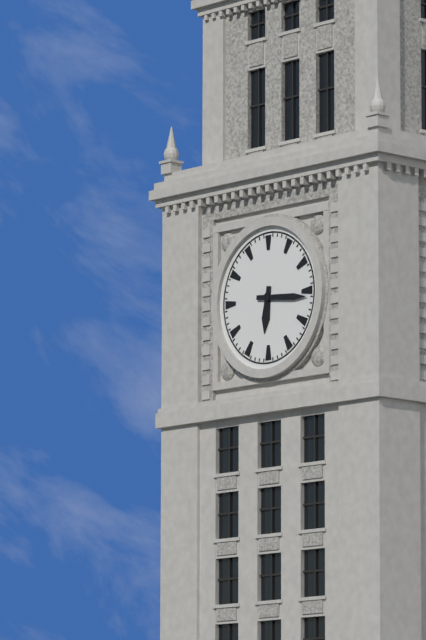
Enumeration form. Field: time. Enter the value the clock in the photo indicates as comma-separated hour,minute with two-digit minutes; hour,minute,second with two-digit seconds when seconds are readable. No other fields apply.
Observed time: 6,16
